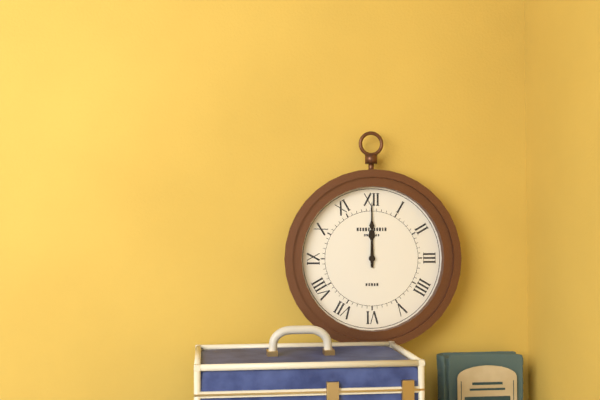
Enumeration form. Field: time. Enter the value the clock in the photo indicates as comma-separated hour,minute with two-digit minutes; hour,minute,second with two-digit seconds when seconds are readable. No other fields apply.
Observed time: 12,00
